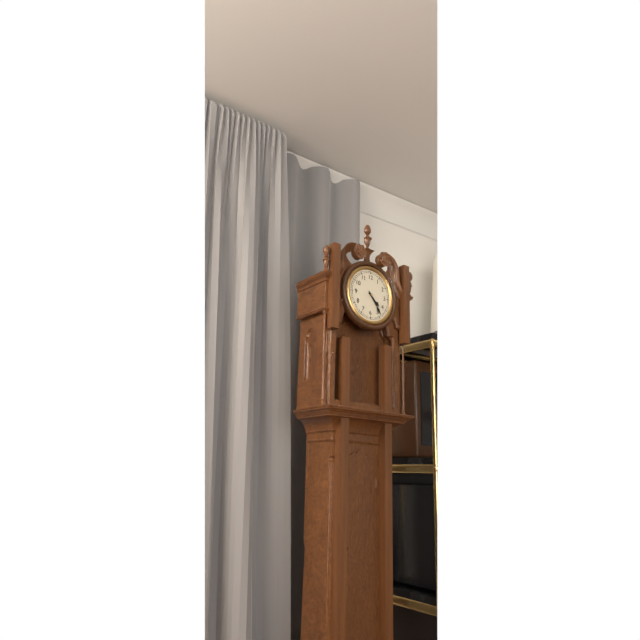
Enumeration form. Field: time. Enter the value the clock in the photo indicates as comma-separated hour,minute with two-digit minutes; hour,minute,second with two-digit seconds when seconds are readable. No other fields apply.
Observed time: 4,24
